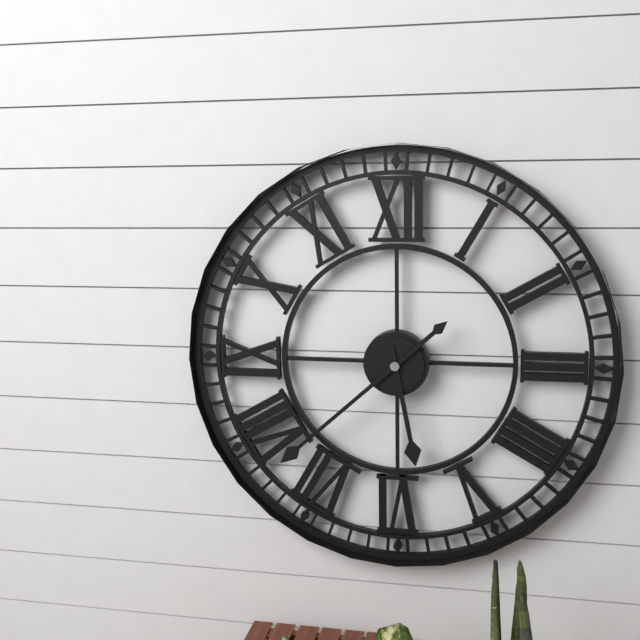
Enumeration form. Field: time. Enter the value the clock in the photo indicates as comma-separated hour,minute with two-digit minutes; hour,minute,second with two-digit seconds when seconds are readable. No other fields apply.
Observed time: 5,38
